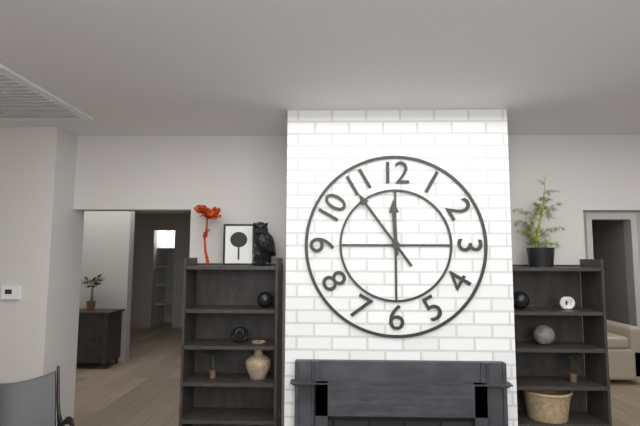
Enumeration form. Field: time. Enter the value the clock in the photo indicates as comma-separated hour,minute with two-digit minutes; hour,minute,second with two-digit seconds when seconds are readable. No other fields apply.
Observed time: 11,54
